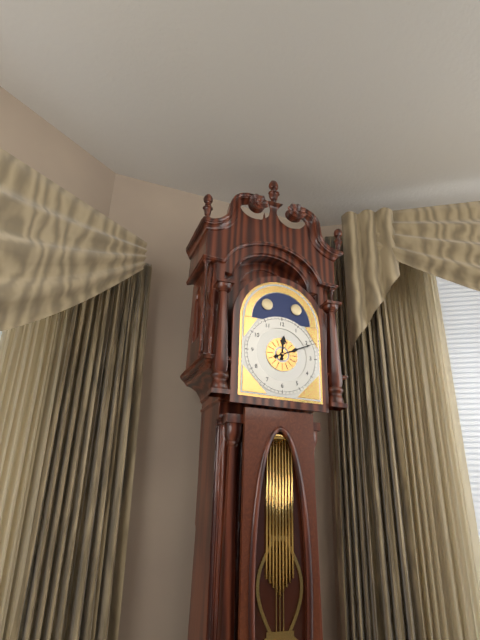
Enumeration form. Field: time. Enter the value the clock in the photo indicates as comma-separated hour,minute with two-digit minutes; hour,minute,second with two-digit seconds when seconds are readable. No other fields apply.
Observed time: 12,11
